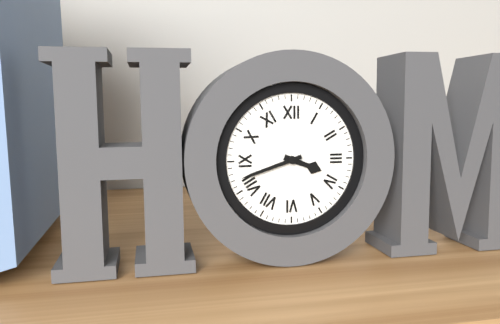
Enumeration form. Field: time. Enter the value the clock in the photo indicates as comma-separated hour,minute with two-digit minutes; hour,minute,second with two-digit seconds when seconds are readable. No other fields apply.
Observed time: 3,42
